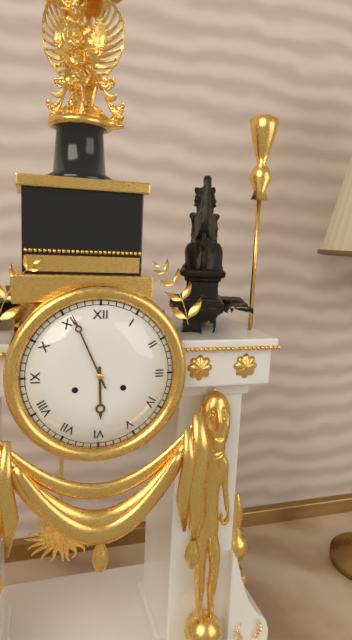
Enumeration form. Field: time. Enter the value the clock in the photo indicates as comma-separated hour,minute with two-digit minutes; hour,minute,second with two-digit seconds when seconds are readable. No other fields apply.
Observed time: 5,56
